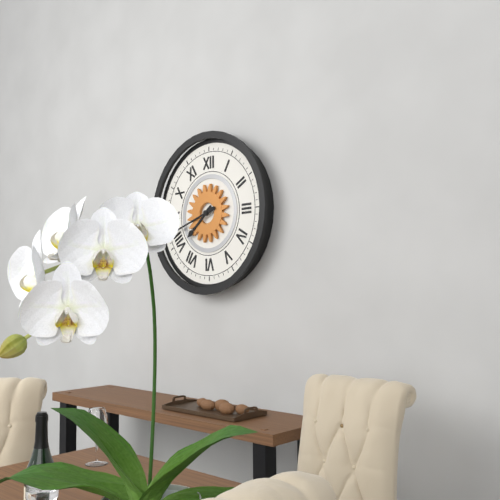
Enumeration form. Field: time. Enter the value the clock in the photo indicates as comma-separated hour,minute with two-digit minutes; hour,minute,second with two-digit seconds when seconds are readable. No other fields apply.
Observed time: 7,42
